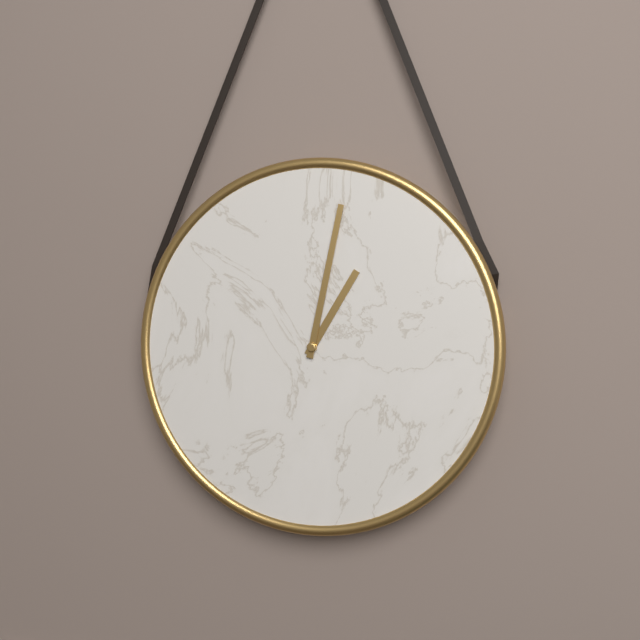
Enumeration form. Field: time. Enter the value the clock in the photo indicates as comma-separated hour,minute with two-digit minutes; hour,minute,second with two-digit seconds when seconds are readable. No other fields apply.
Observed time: 1,02
